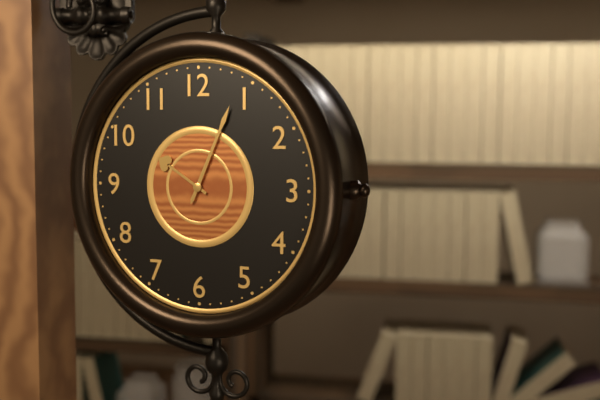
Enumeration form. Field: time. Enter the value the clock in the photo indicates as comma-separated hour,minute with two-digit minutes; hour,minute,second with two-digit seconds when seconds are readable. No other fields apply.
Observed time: 10,04
